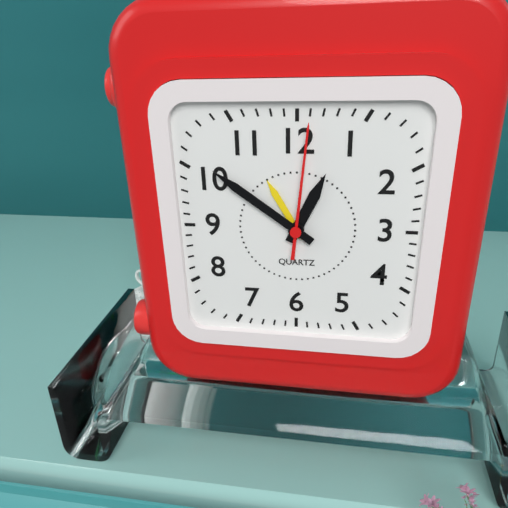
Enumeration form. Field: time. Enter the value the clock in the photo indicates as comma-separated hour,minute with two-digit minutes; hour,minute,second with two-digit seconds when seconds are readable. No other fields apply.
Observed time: 12,51,01
